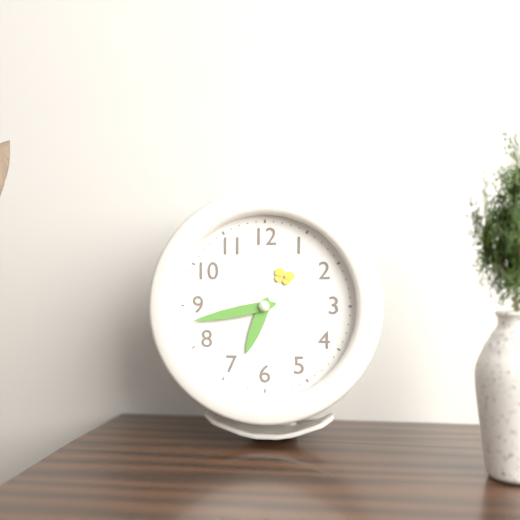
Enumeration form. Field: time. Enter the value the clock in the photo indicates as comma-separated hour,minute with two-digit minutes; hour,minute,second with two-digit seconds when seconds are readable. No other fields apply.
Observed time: 6,43
